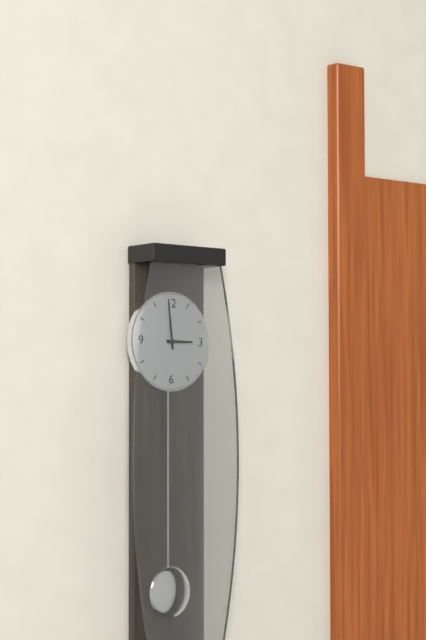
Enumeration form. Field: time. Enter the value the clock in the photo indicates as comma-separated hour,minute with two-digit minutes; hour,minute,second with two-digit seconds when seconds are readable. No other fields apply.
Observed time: 2,59
